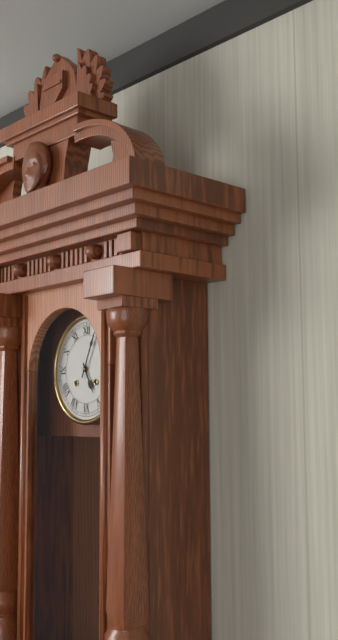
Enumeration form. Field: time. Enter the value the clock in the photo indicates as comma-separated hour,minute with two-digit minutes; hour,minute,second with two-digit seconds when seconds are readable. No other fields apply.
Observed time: 5,04
